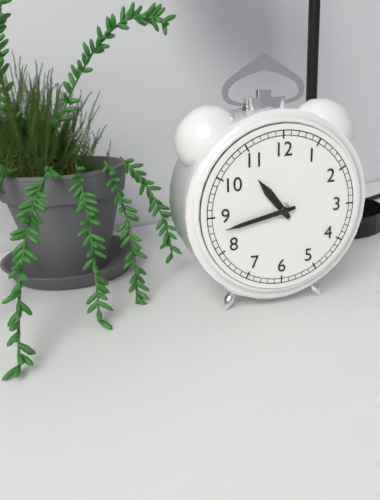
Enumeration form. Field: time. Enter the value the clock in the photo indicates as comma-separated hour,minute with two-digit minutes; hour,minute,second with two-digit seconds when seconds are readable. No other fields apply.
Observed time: 10,43
